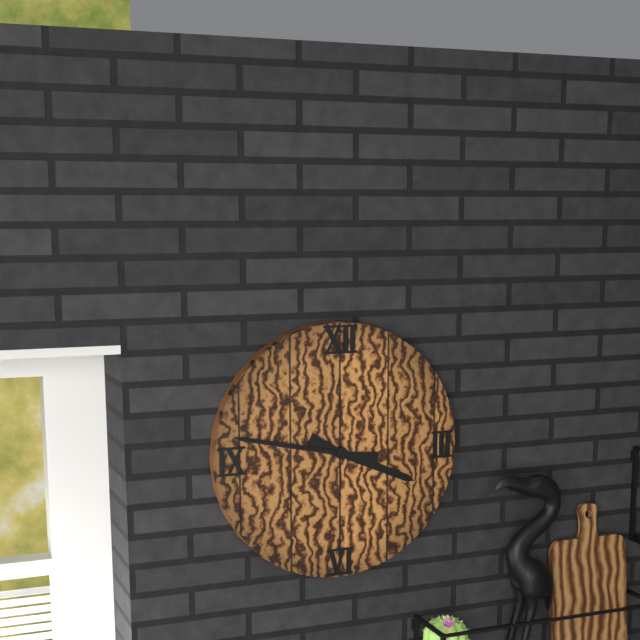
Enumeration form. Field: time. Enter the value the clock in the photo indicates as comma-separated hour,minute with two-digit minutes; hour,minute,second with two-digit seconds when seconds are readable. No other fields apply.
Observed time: 3,47
